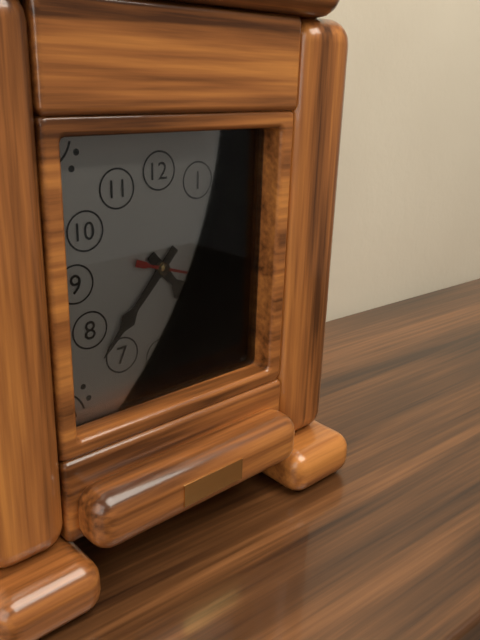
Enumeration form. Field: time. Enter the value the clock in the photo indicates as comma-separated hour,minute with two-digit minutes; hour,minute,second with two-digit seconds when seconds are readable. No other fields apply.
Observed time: 4,37,18
